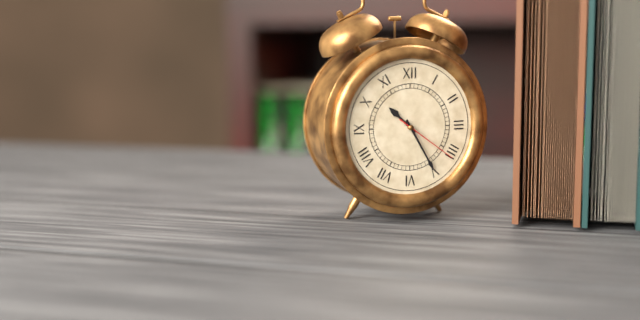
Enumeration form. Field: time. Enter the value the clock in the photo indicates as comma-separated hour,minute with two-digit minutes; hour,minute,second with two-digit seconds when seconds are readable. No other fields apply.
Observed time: 10,25,21
